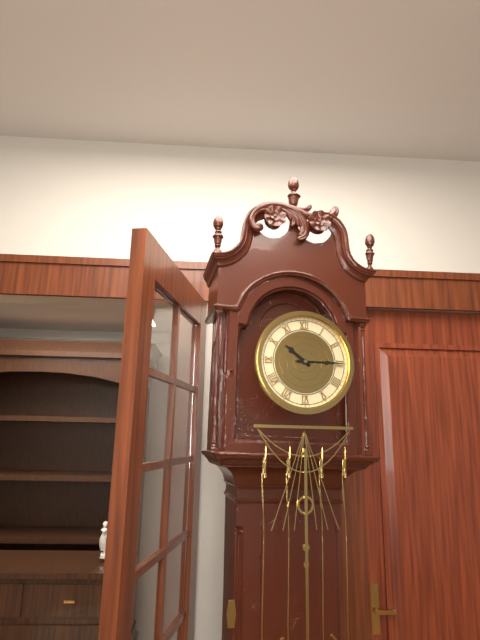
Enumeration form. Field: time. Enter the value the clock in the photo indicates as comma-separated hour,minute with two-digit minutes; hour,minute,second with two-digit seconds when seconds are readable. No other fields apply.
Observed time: 10,15
